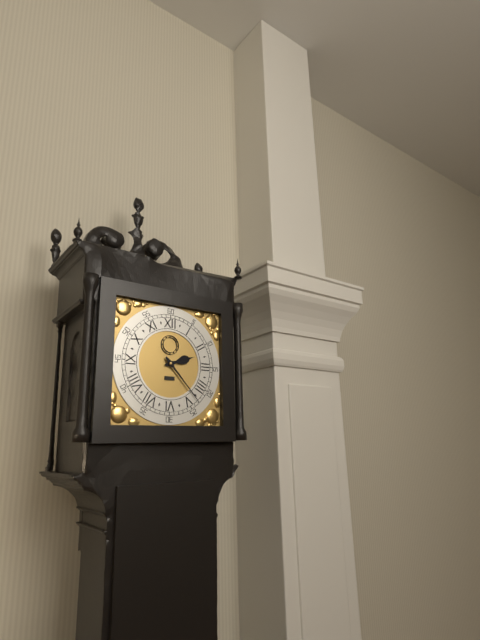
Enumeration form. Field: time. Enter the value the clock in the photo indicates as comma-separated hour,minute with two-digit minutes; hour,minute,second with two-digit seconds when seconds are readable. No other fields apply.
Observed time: 2,23
